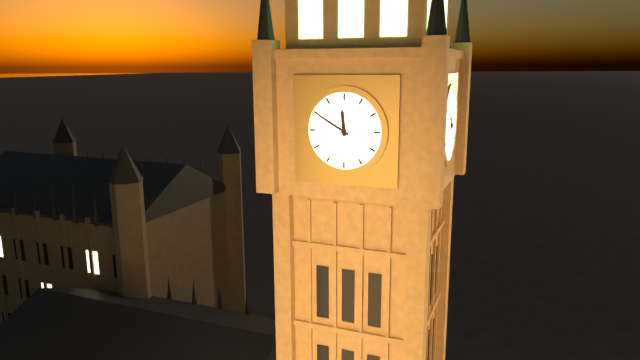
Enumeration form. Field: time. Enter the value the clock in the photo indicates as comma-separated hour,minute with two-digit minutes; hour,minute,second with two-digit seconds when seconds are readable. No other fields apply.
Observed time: 11,50
